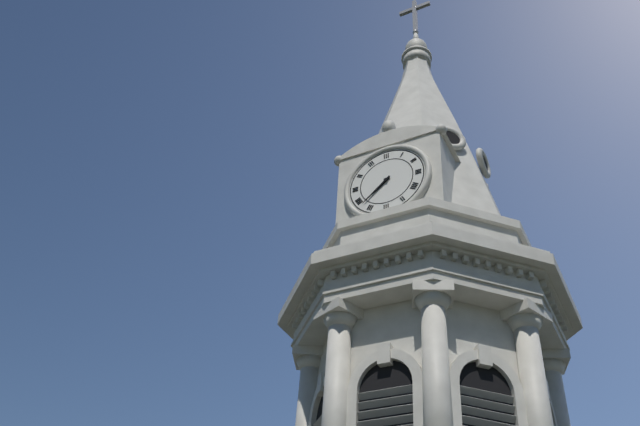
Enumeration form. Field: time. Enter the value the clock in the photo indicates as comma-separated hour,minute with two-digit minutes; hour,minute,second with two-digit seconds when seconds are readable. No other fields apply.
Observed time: 7,38
